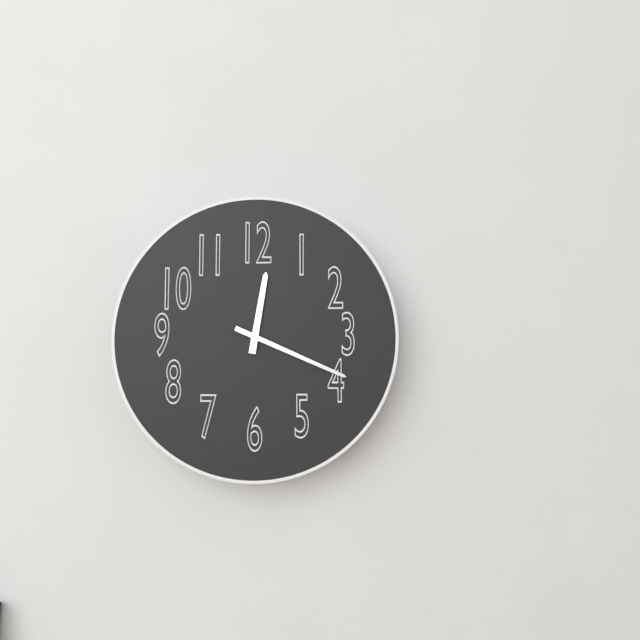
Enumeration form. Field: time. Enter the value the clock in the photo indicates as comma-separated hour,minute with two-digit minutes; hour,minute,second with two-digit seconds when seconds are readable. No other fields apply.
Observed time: 12,19
